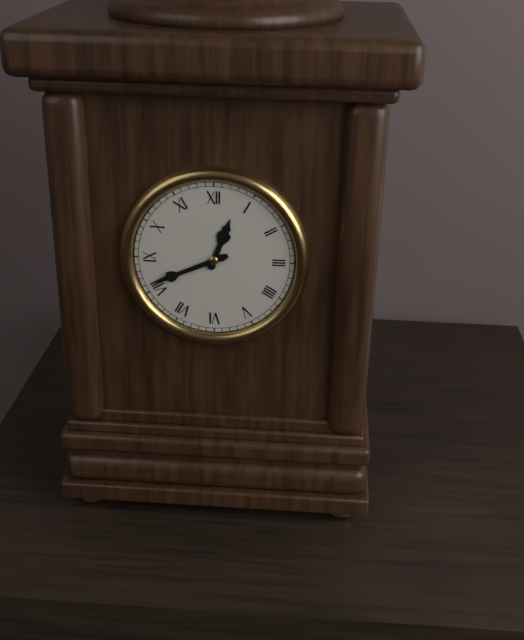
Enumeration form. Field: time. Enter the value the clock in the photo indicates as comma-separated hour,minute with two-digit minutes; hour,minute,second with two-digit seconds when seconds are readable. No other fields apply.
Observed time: 12,41
